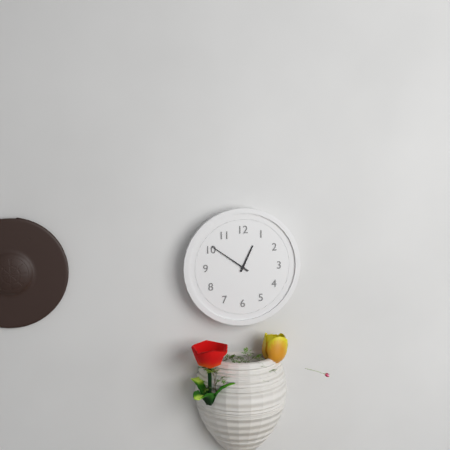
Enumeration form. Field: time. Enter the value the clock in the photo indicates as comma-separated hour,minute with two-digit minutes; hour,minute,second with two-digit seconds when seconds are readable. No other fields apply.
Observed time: 12,51
